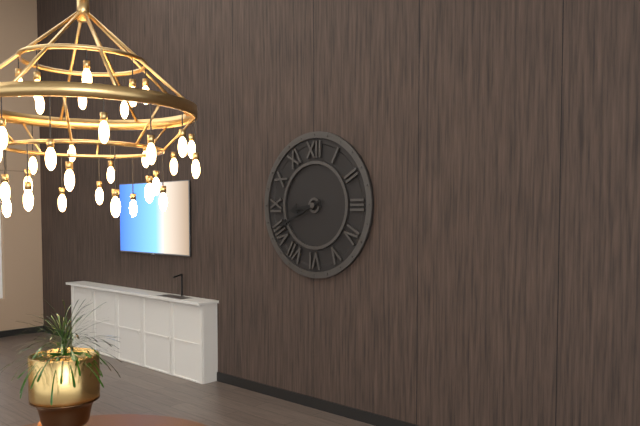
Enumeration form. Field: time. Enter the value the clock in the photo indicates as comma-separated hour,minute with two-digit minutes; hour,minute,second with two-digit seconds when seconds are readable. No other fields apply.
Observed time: 8,41
